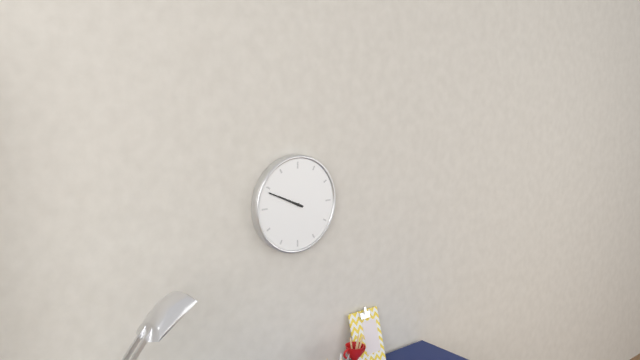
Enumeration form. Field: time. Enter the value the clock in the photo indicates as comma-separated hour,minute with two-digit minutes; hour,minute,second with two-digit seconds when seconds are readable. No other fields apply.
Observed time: 9,49
